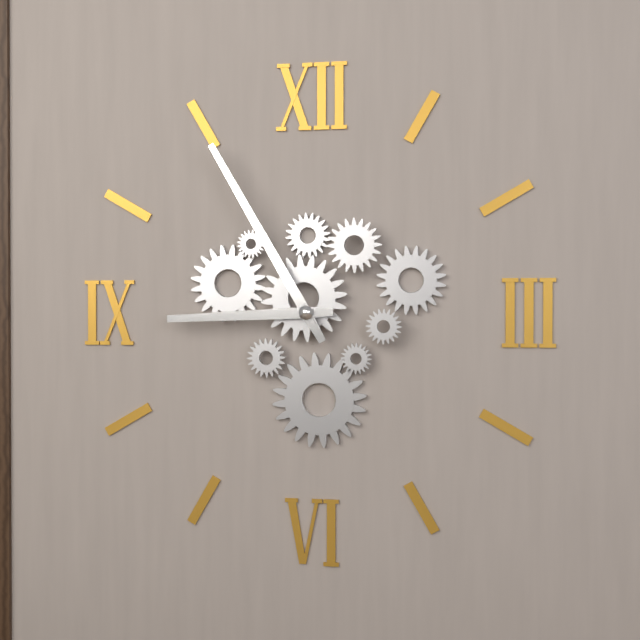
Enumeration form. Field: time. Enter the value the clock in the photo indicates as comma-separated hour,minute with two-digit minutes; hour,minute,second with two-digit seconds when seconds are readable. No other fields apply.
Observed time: 8,55
